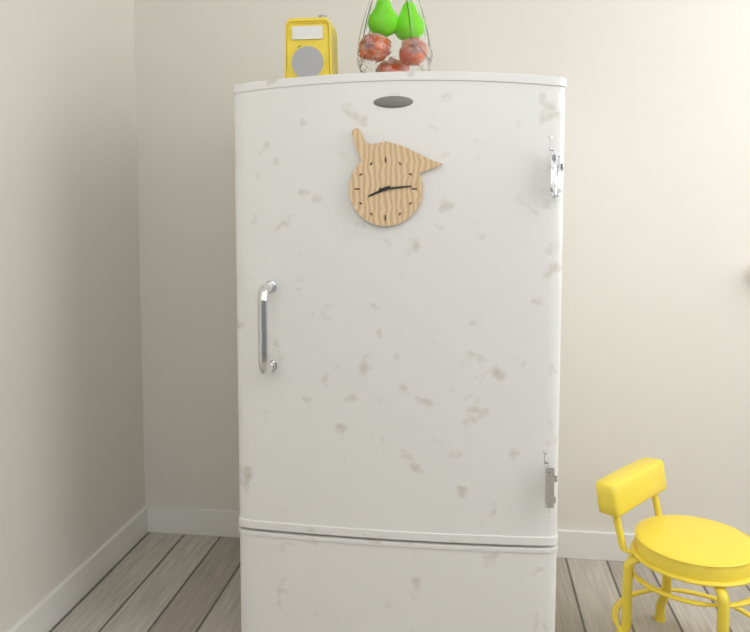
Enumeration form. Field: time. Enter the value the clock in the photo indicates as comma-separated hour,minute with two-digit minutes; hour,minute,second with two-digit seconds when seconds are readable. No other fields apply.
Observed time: 8,14
